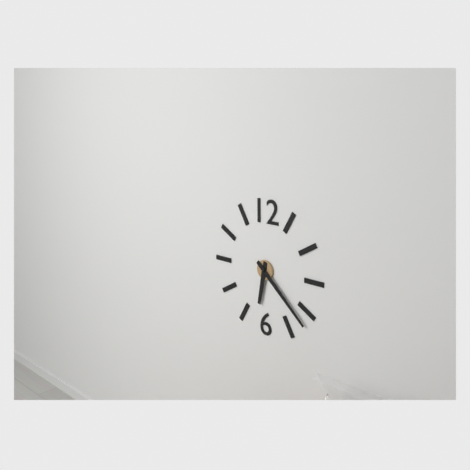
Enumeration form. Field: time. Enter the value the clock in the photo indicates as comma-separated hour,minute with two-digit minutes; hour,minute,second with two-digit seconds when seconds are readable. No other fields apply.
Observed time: 6,22
